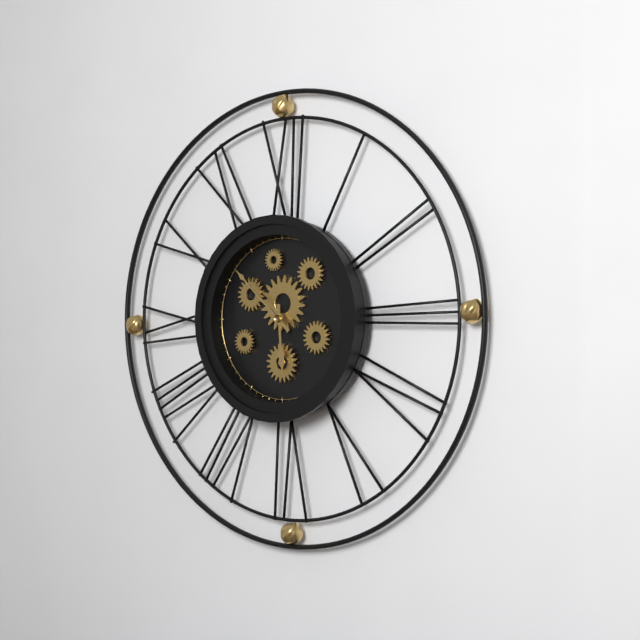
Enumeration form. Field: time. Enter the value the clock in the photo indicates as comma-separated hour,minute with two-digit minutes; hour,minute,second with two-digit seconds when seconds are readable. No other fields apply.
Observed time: 5,52
